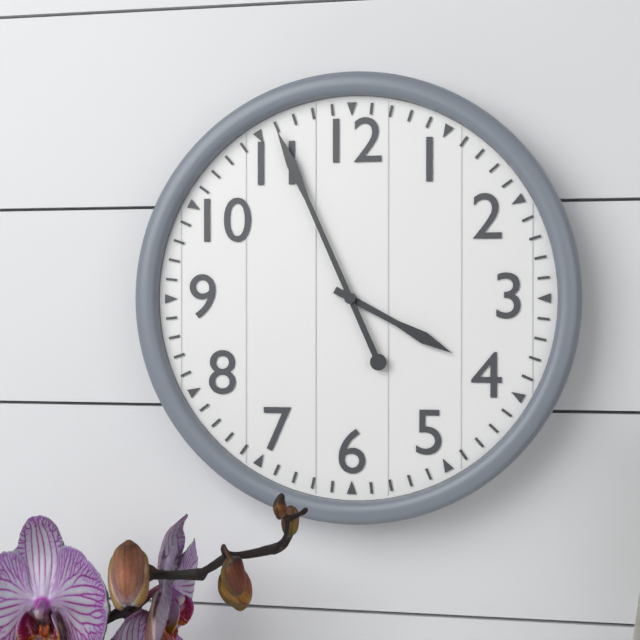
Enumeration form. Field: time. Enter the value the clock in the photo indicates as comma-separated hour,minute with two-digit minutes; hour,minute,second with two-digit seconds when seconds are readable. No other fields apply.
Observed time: 3,56
